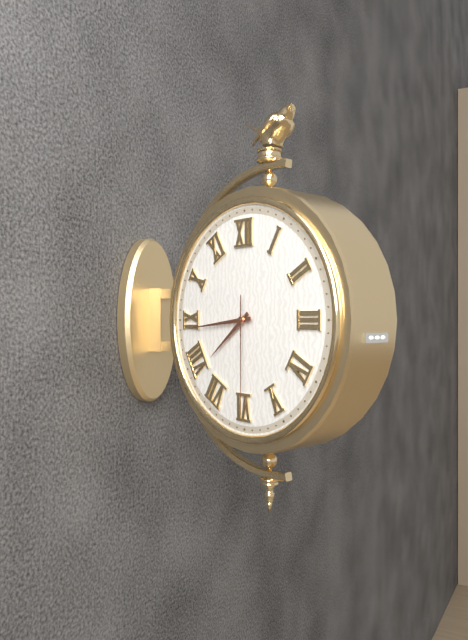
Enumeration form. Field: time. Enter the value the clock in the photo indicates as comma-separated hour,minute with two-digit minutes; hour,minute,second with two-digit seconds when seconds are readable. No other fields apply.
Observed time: 7,44,30
